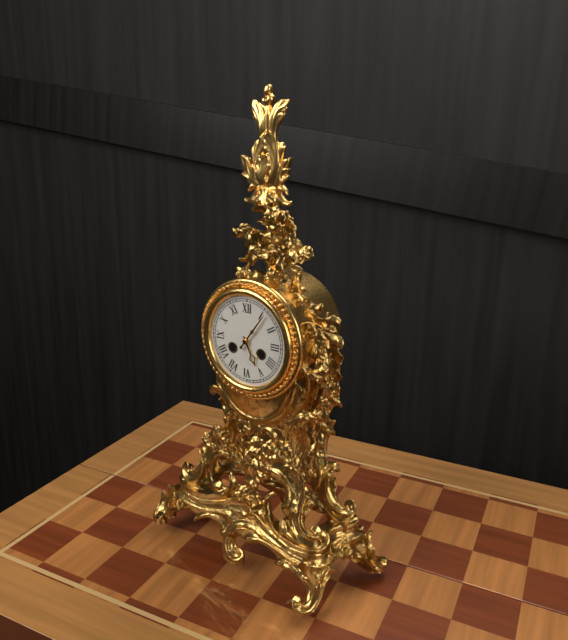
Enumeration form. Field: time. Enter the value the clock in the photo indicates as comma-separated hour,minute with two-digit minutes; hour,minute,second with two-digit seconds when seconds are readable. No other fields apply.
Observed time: 5,06
